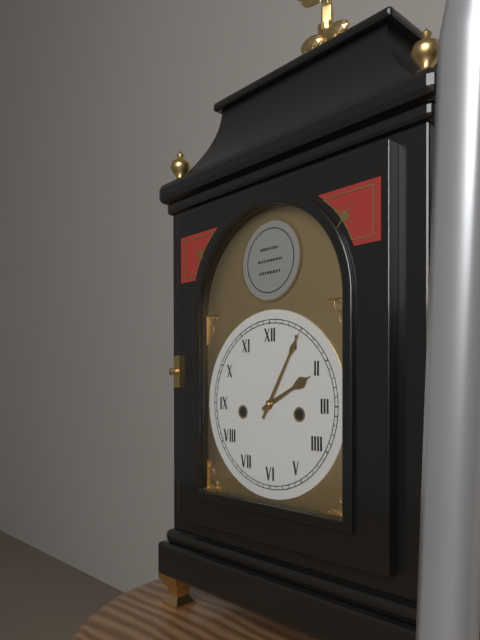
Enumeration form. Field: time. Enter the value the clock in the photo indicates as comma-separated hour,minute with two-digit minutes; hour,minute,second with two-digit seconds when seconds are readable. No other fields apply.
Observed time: 2,05
